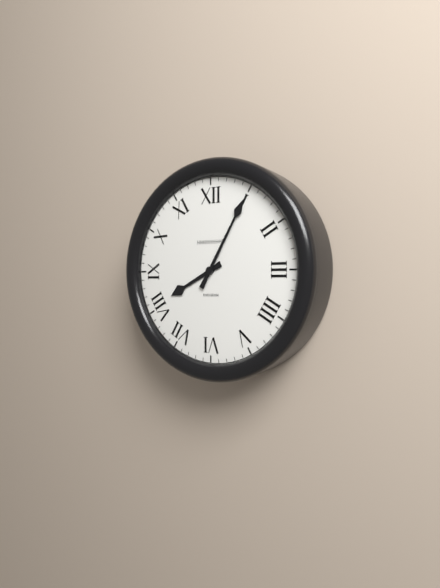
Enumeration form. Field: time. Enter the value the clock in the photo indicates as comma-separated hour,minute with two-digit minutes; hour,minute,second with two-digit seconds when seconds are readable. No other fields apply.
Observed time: 8,05
